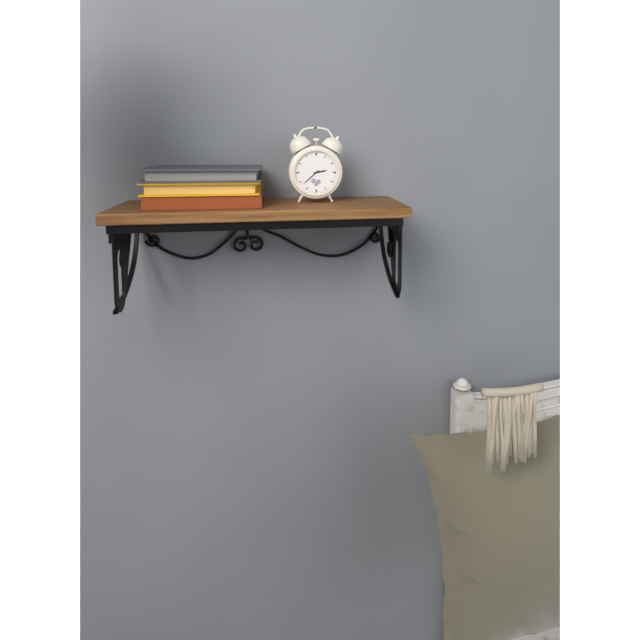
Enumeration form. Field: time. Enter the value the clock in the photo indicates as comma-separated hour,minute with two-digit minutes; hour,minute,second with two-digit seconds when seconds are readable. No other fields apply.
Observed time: 2,38
